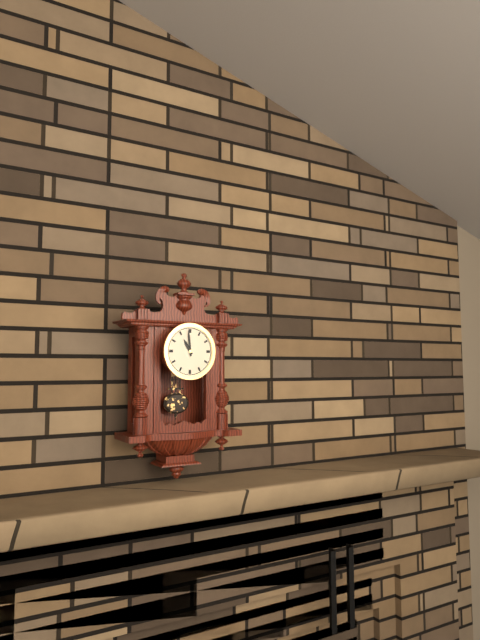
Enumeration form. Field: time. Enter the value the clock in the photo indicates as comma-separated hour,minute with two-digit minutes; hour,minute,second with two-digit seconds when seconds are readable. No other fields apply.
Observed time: 10,59
